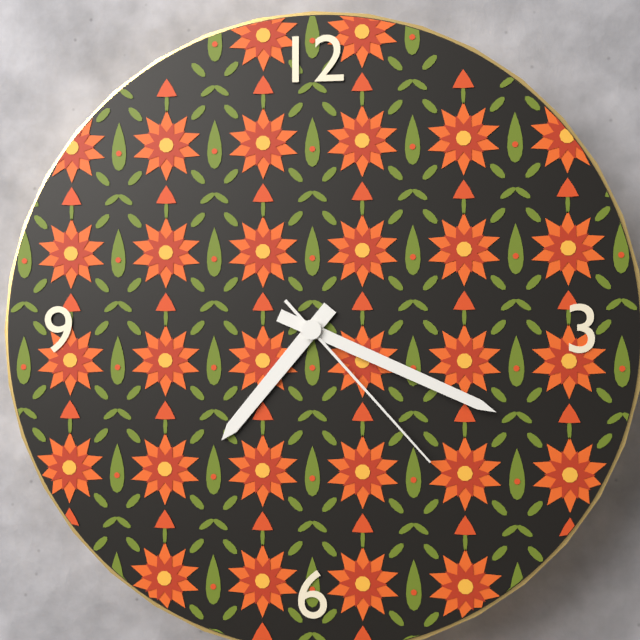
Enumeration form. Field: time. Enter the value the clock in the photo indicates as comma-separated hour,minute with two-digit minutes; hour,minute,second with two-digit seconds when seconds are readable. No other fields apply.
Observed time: 7,19,23
